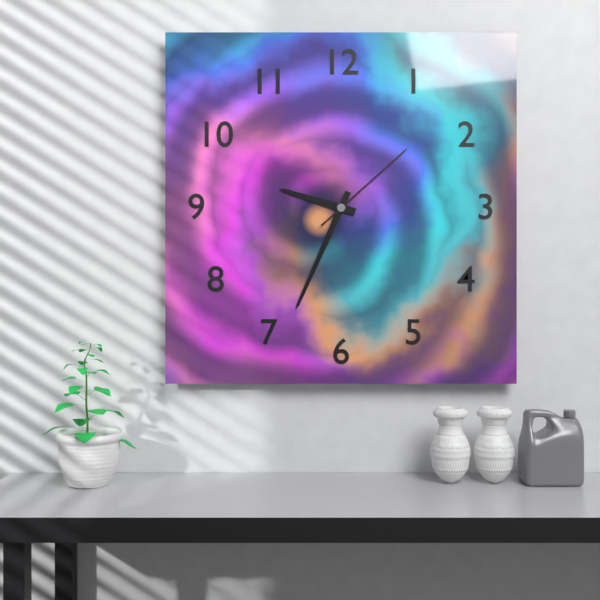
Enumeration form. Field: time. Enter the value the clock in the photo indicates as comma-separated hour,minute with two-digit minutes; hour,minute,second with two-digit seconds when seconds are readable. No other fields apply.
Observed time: 9,34,08
